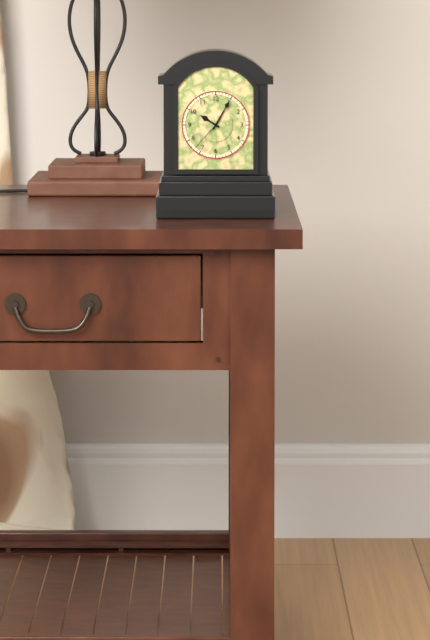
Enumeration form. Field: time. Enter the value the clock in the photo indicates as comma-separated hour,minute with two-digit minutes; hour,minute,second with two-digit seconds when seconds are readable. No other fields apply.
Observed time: 10,05
